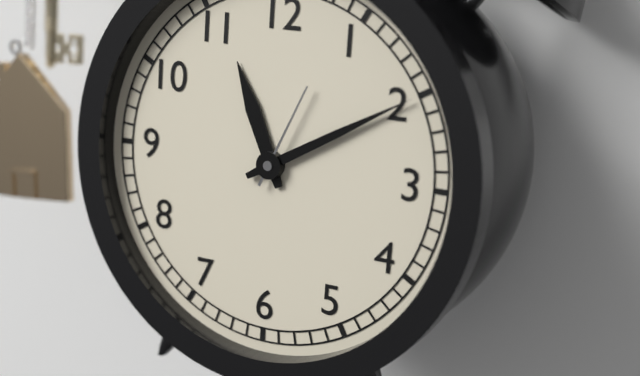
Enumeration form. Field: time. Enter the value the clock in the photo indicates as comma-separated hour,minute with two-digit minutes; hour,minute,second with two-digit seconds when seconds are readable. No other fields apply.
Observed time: 11,10,04
